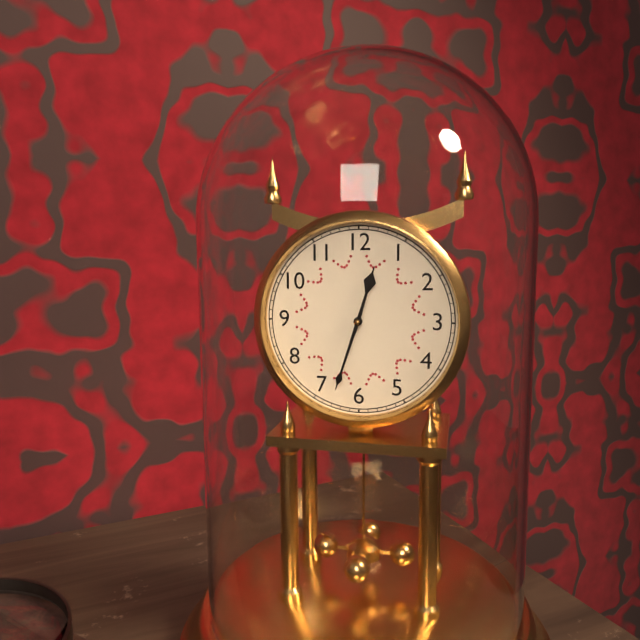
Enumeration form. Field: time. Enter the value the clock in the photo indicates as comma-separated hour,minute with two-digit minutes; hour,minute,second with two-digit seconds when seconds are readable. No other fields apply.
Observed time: 12,33
